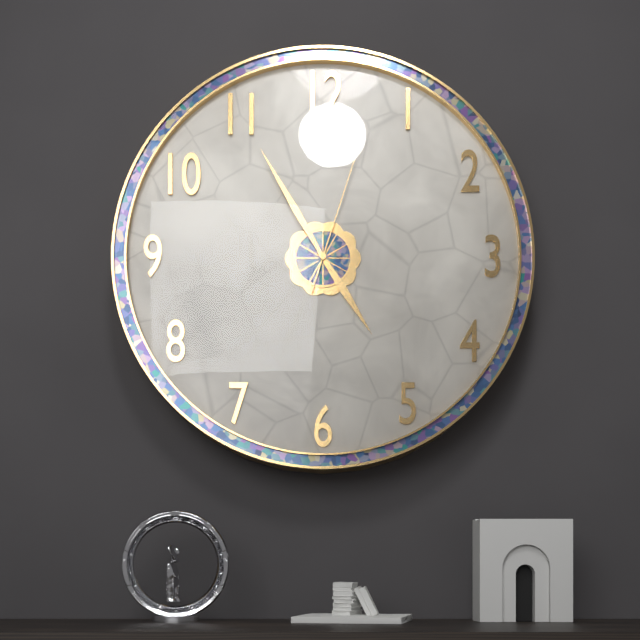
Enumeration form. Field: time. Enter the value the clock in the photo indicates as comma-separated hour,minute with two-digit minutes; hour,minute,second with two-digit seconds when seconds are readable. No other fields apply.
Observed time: 4,55,03
